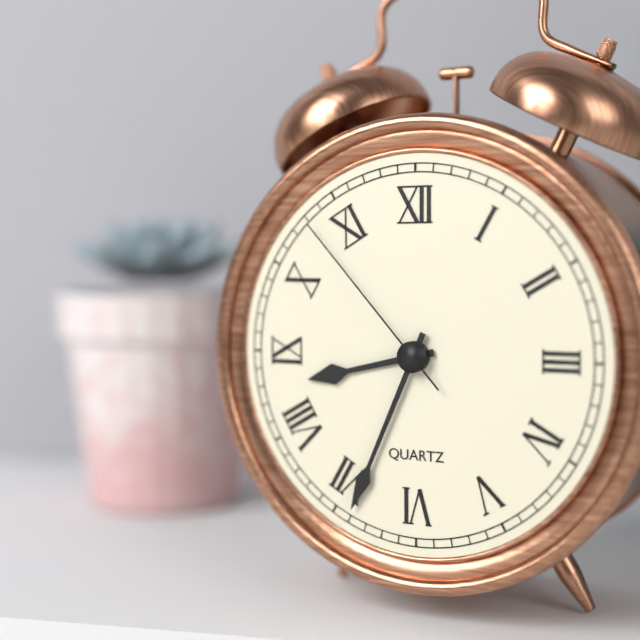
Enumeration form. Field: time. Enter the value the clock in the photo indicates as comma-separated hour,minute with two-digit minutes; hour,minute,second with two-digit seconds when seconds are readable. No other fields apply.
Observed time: 8,34,53
